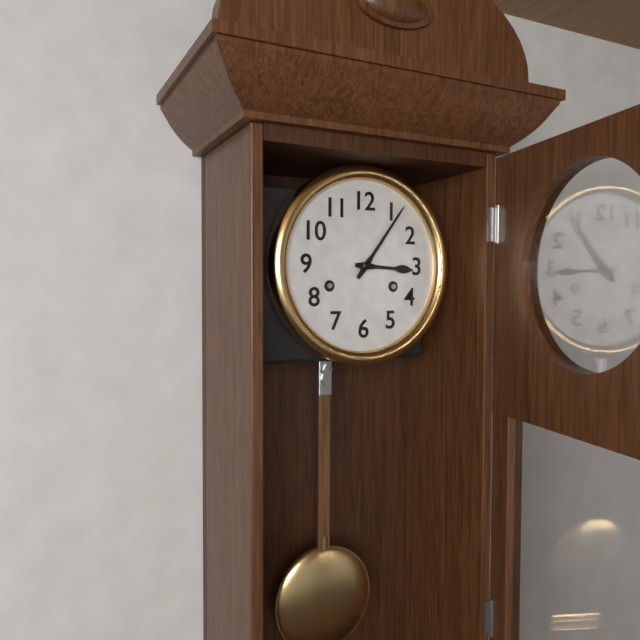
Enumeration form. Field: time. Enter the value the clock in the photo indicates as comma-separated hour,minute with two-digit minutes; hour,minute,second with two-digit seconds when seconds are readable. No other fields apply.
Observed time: 3,06
